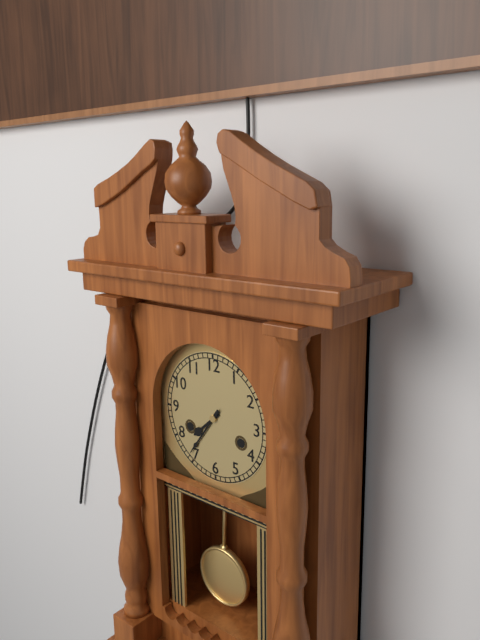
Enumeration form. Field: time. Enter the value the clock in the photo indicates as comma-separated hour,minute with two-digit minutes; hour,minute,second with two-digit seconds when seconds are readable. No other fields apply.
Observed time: 7,36
